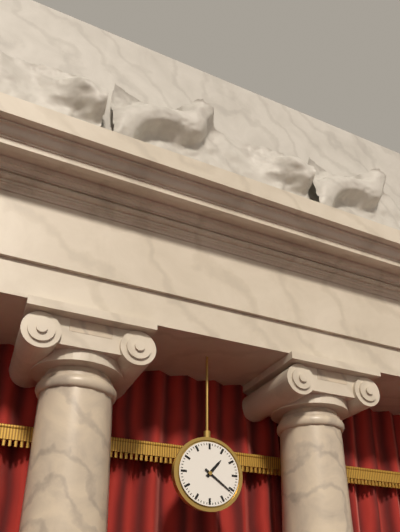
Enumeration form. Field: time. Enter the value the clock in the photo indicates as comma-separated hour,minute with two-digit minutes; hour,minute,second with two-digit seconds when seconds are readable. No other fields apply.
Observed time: 1,21
